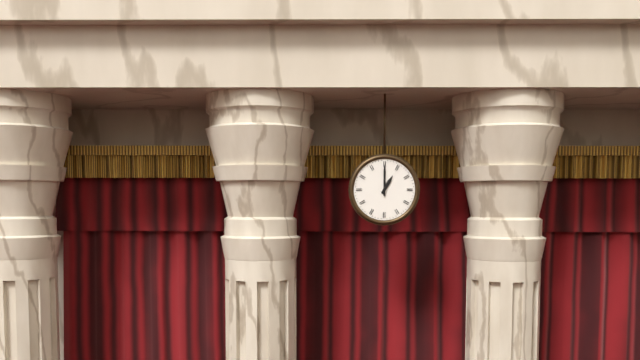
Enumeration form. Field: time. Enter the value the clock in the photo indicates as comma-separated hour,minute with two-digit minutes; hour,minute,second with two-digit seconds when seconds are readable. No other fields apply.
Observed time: 1,00
